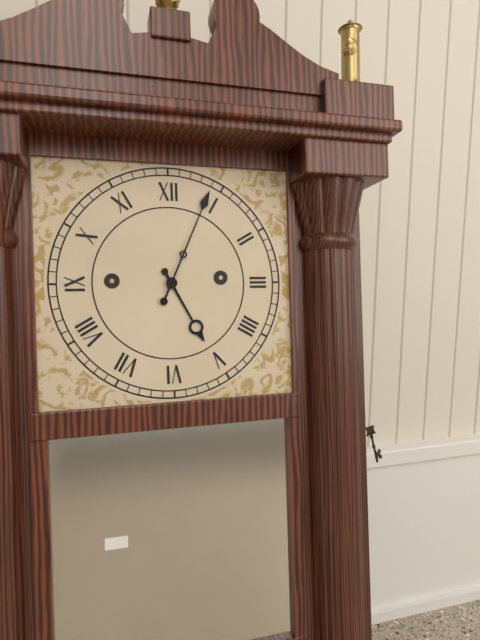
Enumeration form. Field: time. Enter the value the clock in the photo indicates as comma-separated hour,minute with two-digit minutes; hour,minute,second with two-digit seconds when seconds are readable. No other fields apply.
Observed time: 5,04
